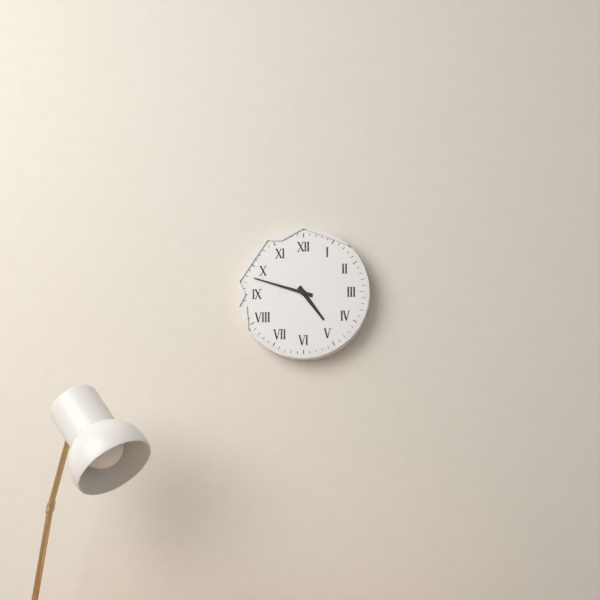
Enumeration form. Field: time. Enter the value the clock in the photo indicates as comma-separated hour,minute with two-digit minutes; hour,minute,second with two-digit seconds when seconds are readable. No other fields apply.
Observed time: 4,48
